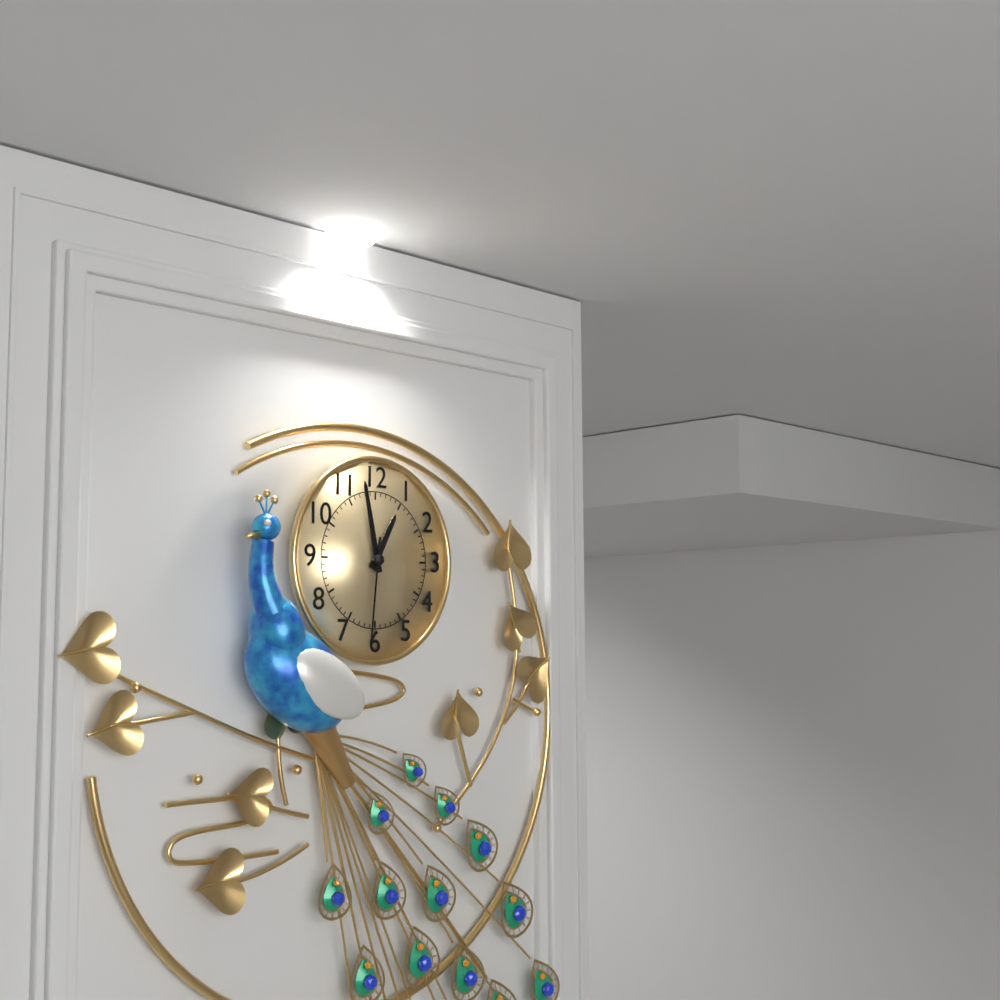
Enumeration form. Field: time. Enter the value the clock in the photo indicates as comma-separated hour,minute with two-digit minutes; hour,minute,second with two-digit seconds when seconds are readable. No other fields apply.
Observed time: 12,58,31
